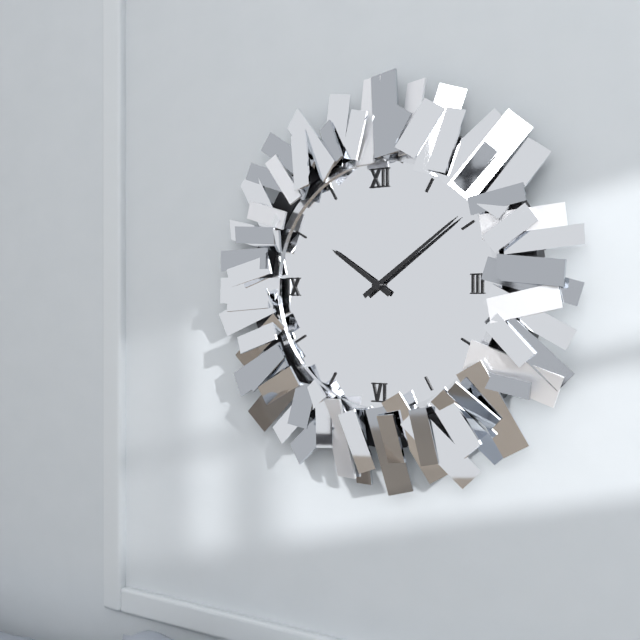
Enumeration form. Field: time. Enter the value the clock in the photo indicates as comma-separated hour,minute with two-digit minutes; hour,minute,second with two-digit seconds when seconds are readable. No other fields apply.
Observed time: 10,09
